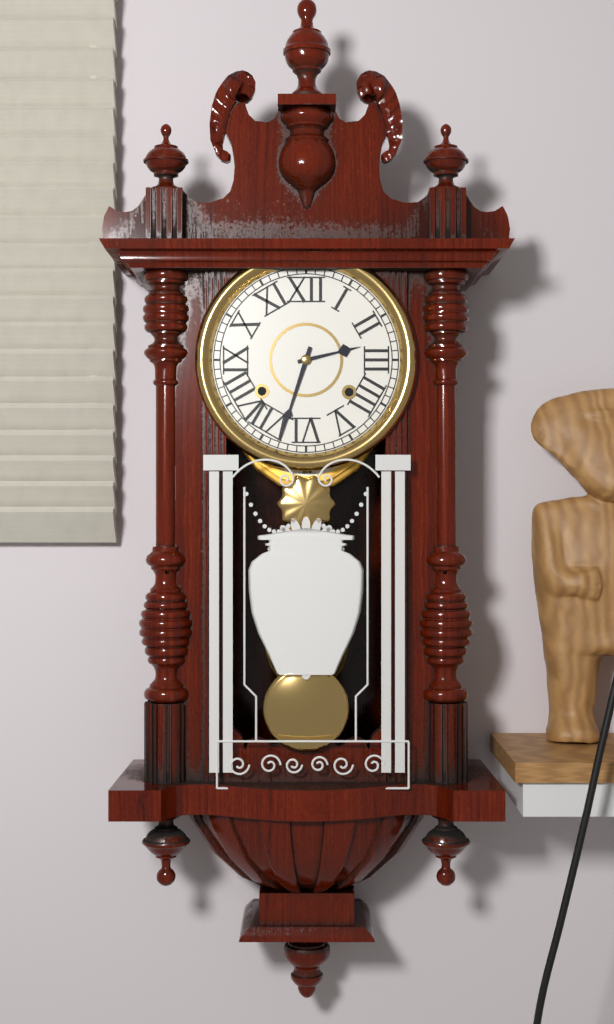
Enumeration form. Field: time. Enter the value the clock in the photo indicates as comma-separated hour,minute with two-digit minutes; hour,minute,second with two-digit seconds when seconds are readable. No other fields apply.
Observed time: 2,33
